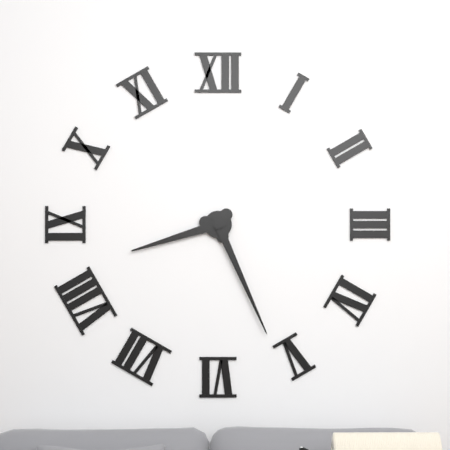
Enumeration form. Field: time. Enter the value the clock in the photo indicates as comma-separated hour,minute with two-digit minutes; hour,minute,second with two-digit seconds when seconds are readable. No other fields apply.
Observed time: 8,26
